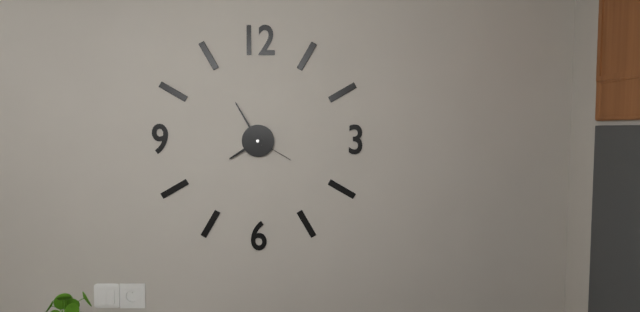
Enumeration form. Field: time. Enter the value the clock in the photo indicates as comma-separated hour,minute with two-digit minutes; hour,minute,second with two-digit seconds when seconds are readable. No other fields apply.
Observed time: 7,55
